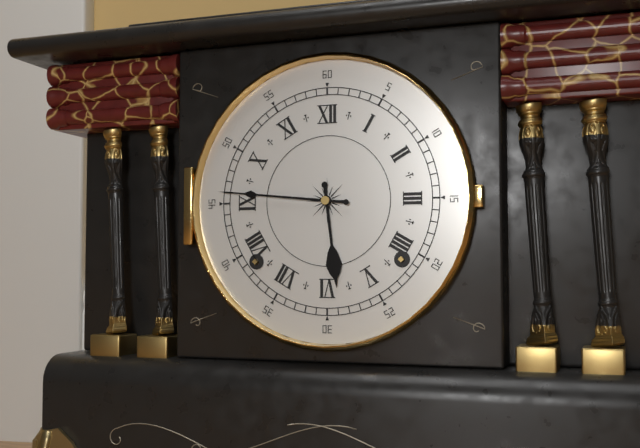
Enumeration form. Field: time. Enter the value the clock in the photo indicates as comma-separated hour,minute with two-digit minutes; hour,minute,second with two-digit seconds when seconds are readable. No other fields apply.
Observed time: 5,46
